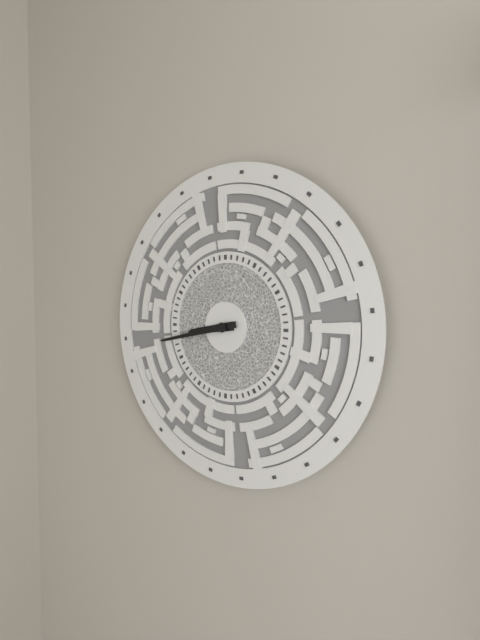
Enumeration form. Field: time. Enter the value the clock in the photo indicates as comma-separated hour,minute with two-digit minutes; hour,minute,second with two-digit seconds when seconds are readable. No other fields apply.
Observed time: 8,43
